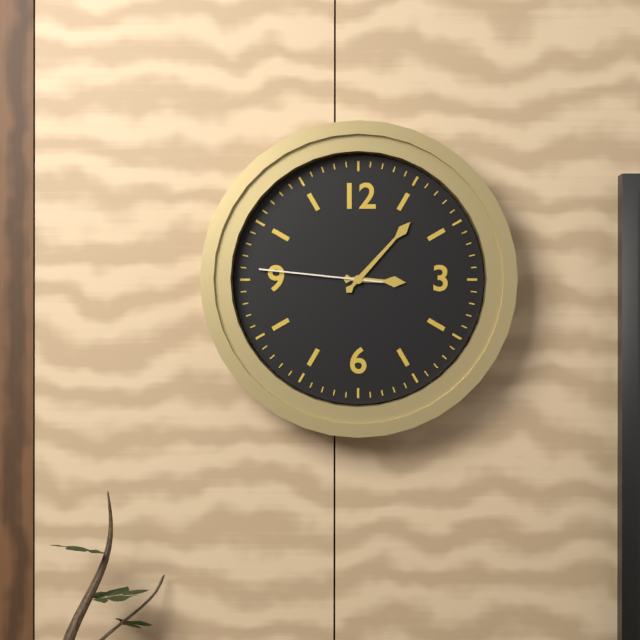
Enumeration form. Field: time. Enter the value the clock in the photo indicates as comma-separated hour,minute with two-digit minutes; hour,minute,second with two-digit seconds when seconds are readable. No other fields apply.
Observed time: 3,07,46
